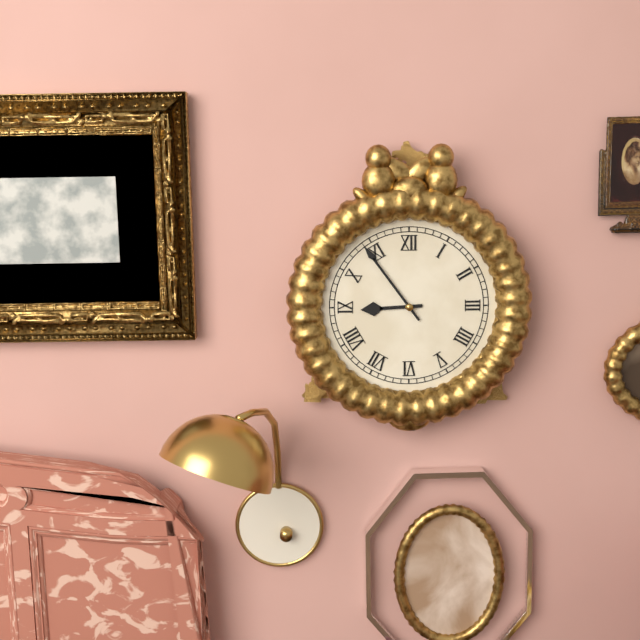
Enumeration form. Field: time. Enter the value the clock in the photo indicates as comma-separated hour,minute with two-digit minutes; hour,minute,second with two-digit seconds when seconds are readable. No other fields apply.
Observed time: 8,54
